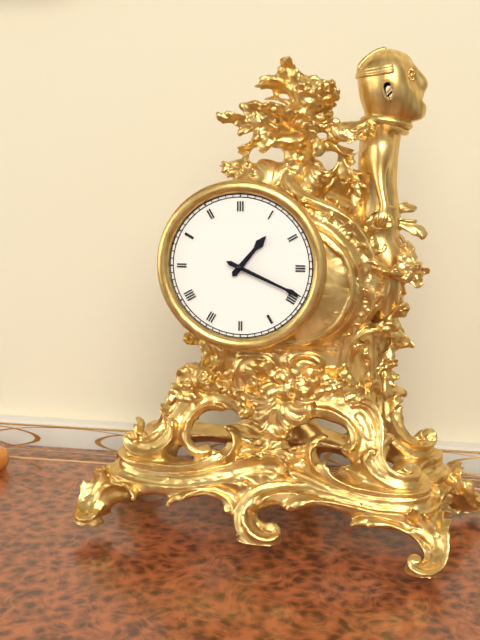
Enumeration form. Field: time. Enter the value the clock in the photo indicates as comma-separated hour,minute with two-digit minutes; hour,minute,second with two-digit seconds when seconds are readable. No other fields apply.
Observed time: 1,19
